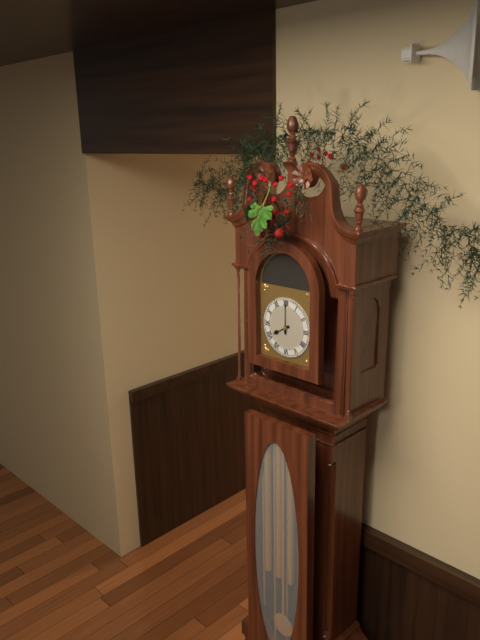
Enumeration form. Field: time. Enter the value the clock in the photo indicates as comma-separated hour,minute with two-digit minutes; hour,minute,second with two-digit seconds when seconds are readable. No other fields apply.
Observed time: 8,00
